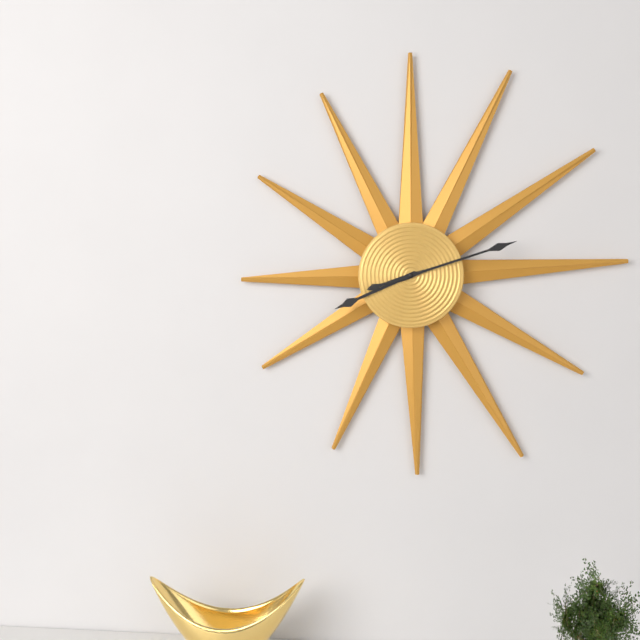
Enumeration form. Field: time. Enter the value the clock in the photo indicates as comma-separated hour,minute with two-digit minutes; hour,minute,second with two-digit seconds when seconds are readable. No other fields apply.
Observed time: 8,12
